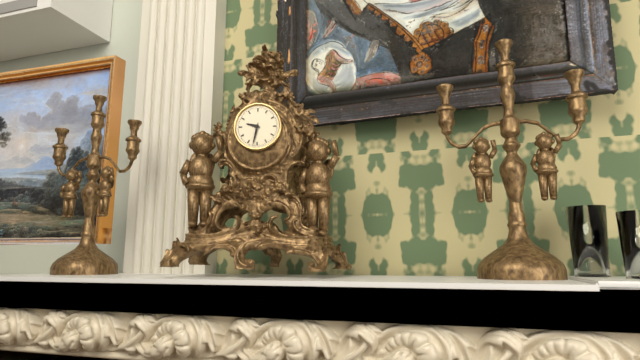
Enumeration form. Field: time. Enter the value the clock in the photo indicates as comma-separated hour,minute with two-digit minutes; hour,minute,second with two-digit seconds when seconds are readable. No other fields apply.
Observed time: 9,32
